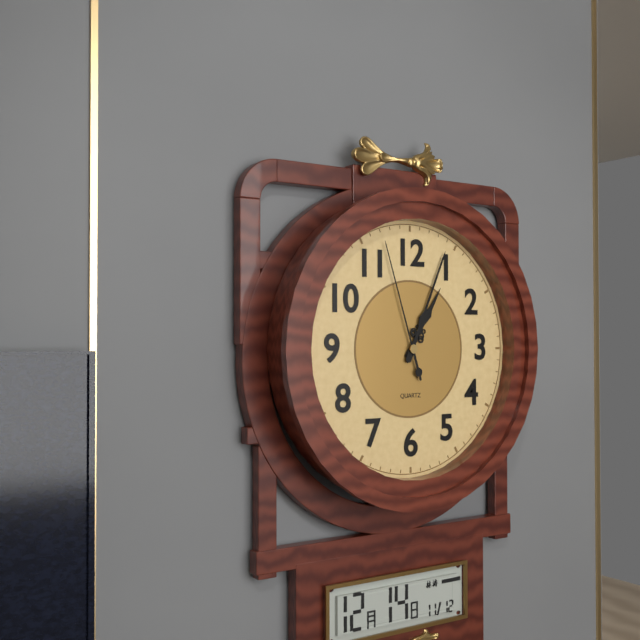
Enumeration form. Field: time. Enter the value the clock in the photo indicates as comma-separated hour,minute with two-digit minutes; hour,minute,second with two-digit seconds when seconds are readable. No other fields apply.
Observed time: 1,04,57
